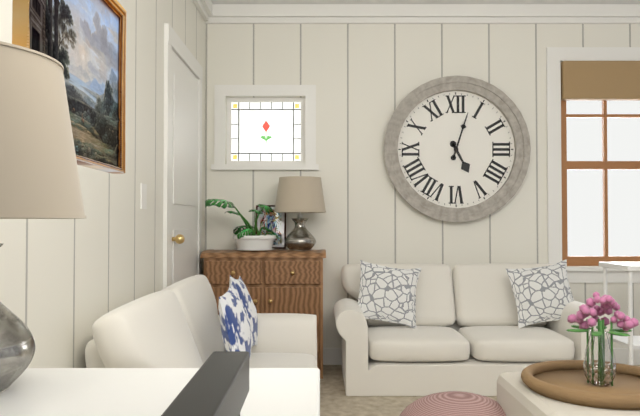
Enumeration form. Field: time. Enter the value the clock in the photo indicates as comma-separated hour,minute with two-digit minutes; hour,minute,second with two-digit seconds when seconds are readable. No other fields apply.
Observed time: 5,03
